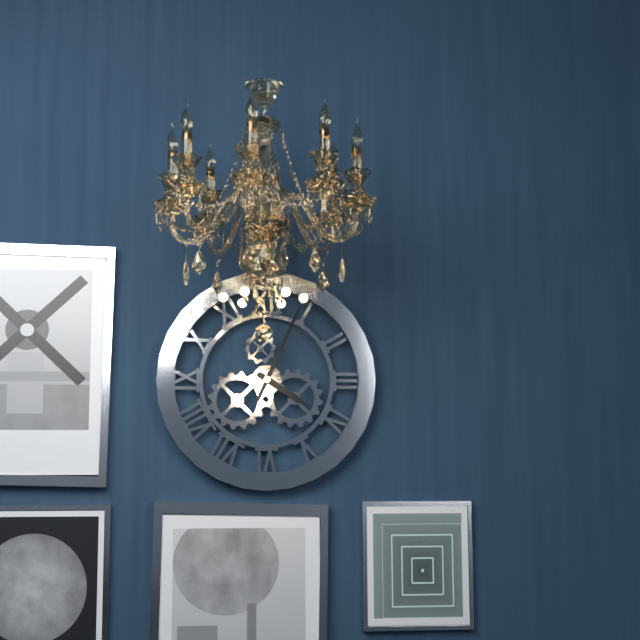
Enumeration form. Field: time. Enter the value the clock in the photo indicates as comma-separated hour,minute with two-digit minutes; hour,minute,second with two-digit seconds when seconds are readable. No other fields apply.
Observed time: 4,04
